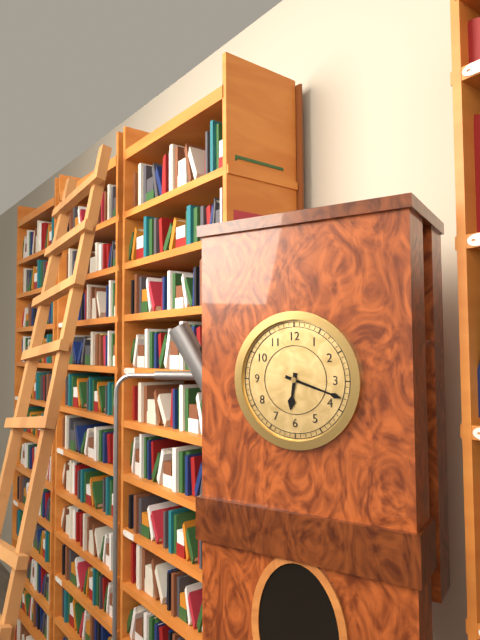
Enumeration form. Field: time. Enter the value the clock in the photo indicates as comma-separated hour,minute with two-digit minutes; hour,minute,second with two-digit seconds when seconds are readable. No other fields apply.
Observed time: 6,18
